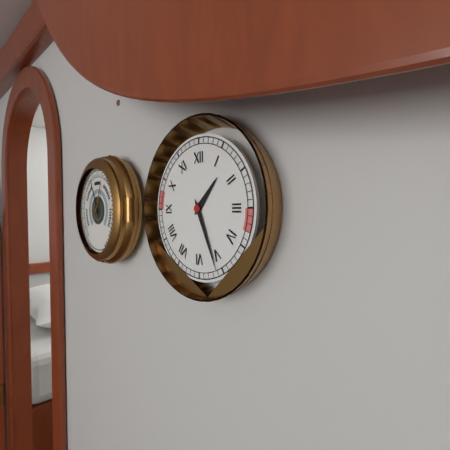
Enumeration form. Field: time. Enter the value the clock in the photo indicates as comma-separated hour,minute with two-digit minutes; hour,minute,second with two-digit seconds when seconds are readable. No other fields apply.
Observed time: 1,26
